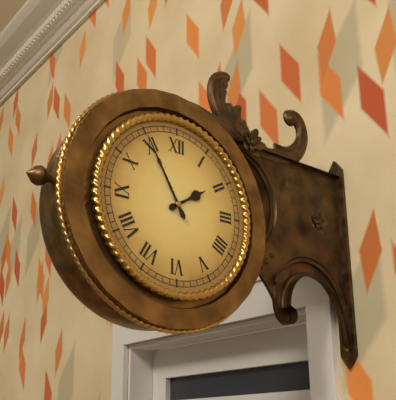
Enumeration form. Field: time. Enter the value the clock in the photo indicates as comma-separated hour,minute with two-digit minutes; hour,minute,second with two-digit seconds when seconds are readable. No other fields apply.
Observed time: 1,55
